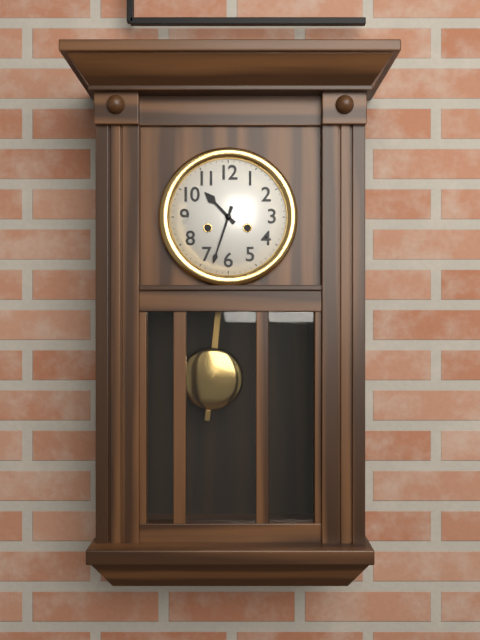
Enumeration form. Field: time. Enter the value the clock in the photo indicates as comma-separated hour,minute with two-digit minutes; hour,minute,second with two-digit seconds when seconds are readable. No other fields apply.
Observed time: 10,33
